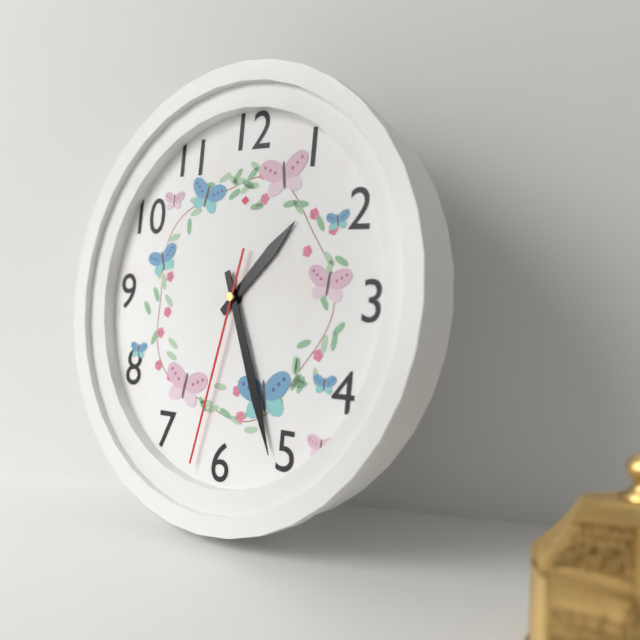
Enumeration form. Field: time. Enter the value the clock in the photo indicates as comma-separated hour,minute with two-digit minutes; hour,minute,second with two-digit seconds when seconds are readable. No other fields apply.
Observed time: 1,26,32
